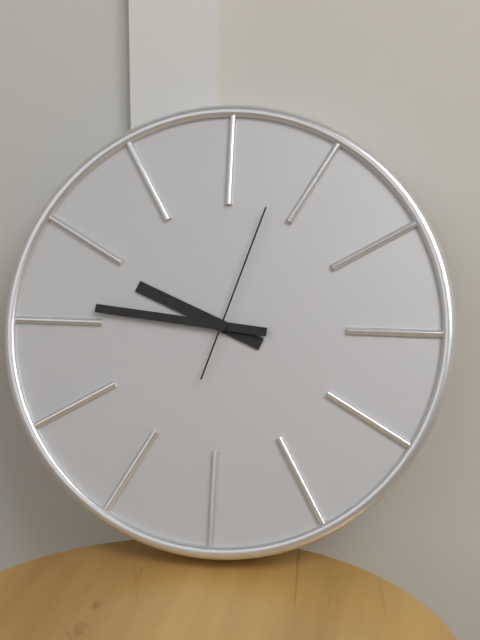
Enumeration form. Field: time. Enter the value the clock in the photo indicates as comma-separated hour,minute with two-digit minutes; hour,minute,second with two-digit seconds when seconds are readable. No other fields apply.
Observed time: 9,46,03
